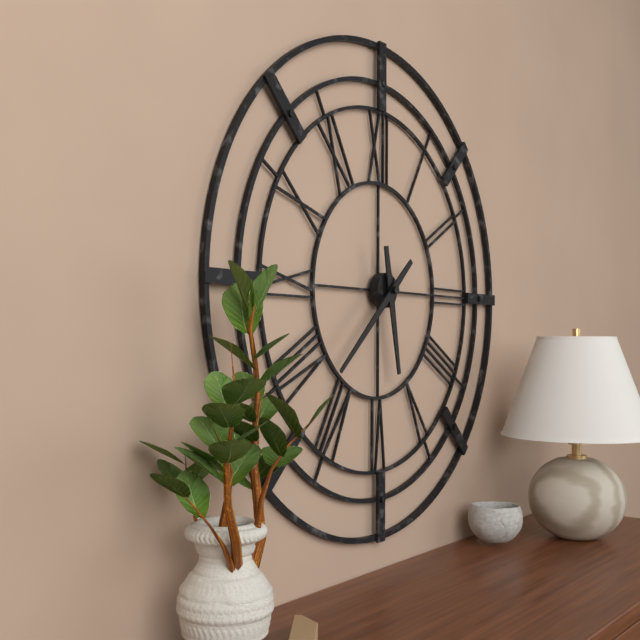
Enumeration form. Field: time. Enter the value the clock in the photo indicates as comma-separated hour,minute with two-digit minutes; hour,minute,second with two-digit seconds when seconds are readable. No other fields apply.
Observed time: 5,38
